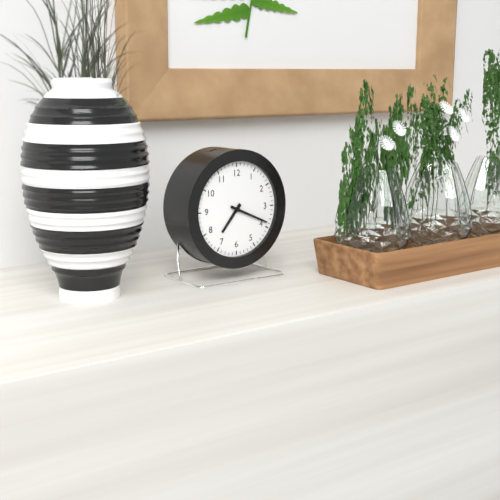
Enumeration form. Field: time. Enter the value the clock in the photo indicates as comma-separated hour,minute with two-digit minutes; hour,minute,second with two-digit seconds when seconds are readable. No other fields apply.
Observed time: 7,19
